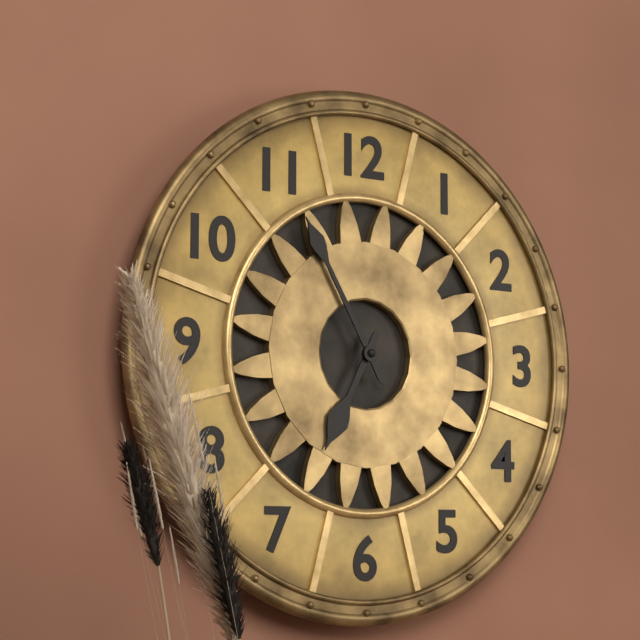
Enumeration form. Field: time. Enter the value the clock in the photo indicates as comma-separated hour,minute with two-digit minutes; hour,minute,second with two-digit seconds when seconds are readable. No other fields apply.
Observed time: 6,55
